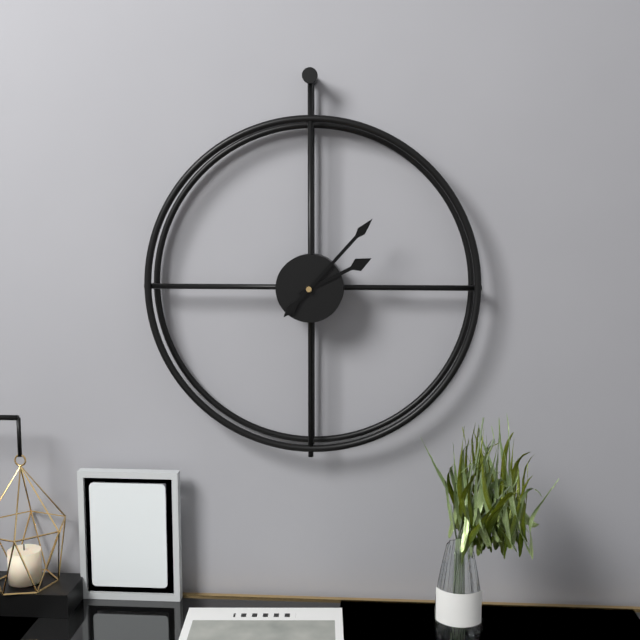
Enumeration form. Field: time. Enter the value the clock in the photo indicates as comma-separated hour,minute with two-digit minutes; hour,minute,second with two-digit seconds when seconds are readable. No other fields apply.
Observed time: 2,07
